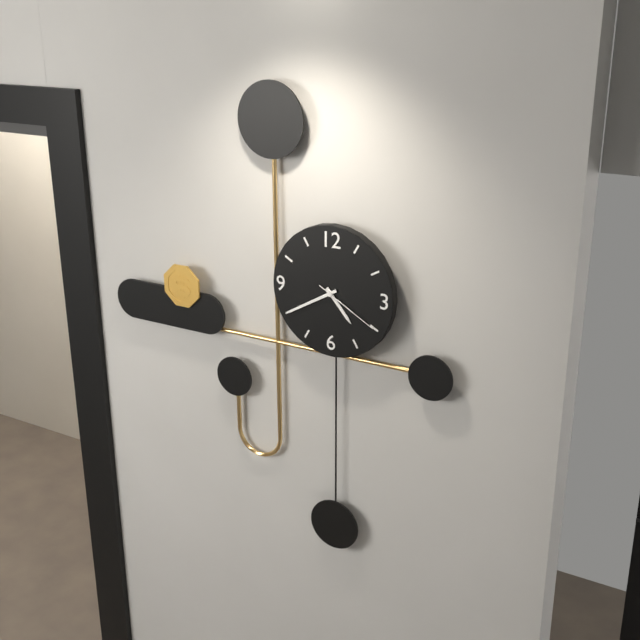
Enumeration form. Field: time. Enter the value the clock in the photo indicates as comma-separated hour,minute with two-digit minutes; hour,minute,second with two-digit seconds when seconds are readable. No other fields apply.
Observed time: 4,40,20
